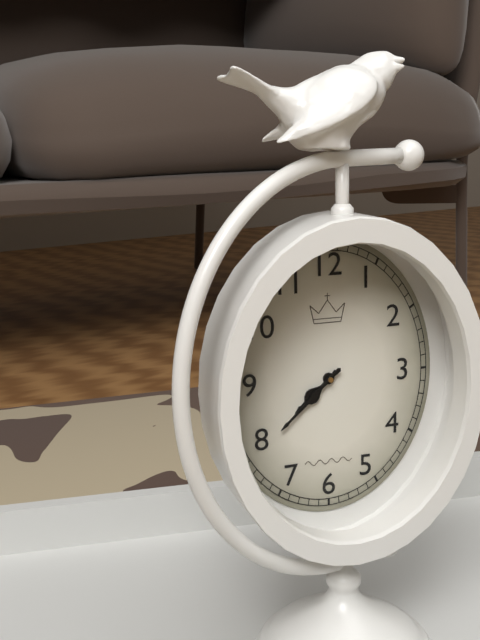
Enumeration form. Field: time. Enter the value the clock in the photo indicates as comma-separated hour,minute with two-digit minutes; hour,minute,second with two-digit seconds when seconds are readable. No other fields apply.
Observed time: 7,38
